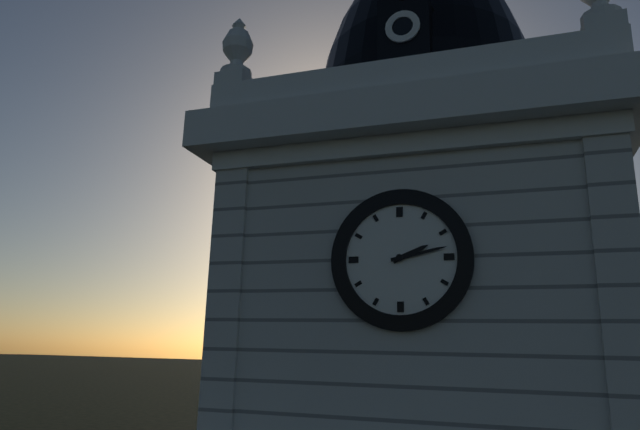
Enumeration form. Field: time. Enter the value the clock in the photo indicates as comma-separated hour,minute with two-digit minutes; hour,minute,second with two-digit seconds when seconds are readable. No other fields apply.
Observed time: 2,13
